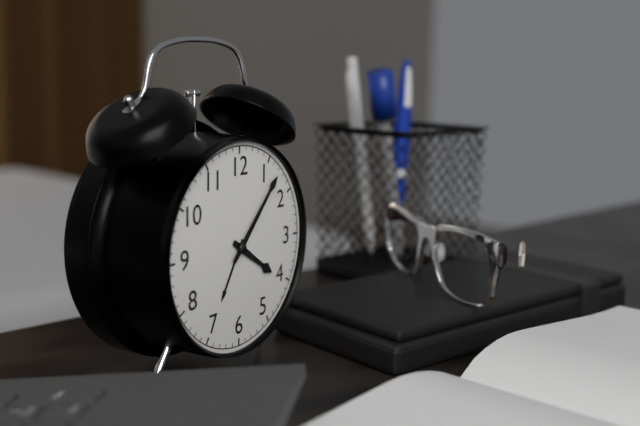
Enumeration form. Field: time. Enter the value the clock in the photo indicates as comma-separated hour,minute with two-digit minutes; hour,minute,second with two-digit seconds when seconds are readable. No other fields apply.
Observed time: 4,07
